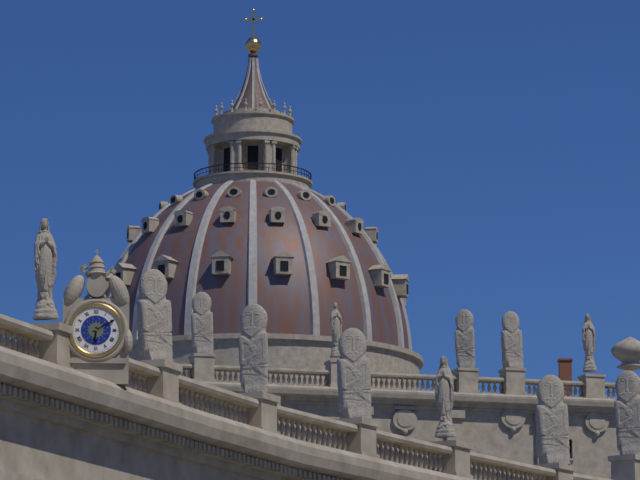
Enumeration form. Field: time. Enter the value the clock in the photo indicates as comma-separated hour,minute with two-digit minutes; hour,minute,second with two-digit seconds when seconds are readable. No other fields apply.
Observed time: 6,10
